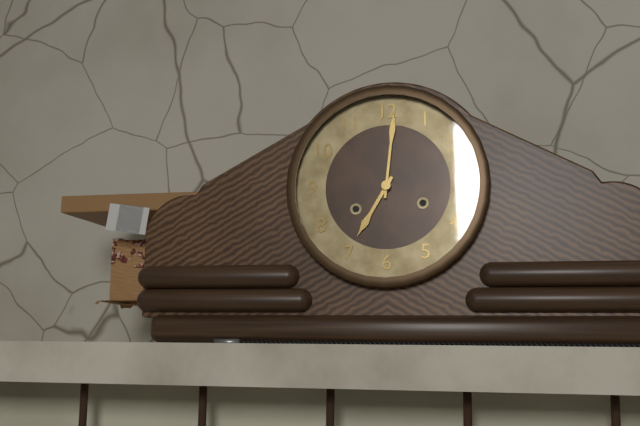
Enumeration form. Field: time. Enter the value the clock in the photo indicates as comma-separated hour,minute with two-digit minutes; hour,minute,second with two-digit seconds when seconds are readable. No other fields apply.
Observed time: 7,01
